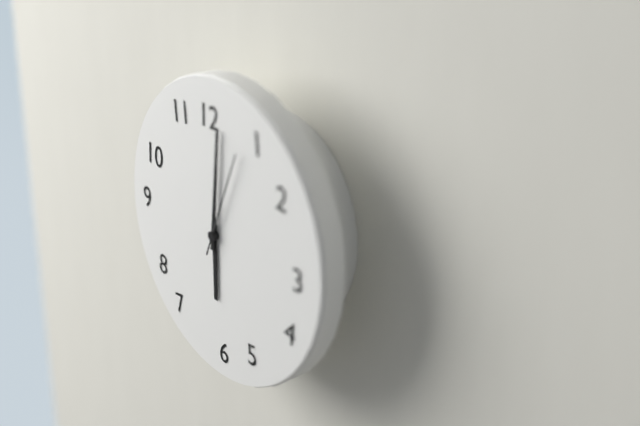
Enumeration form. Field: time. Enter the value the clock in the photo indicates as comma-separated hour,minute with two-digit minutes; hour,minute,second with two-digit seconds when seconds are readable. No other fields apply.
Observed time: 6,01,04
